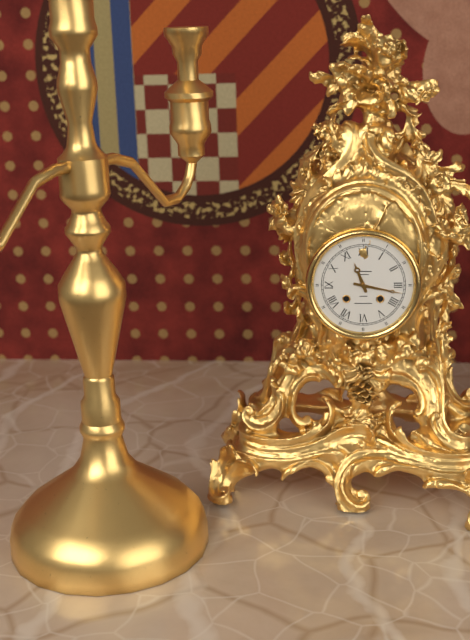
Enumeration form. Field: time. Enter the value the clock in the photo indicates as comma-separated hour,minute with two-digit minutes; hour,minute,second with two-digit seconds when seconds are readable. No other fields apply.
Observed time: 11,17
